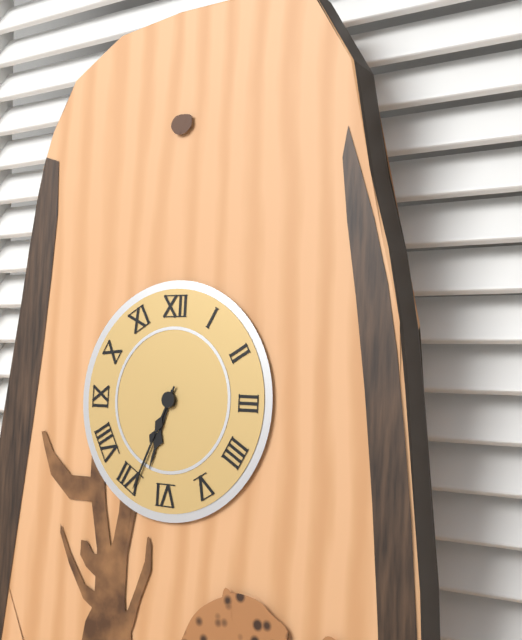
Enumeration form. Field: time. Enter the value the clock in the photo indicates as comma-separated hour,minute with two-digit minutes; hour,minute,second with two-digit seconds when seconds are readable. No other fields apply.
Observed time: 6,34
